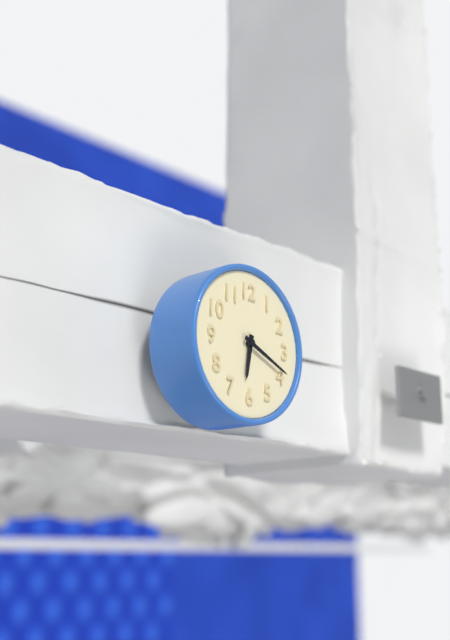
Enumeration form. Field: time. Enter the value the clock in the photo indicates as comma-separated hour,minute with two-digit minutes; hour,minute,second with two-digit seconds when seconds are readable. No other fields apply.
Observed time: 6,19
